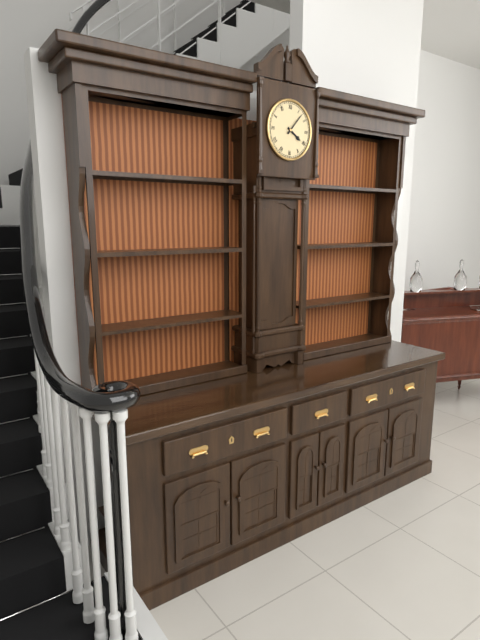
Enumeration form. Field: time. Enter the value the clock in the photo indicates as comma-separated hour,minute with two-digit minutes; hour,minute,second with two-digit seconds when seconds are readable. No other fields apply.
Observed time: 4,07
